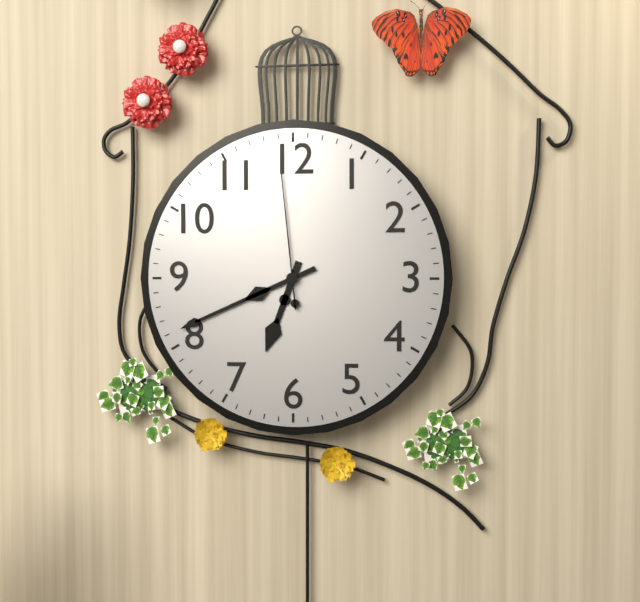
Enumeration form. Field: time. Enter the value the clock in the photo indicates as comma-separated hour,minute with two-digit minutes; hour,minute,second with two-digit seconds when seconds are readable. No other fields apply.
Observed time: 6,41,59
